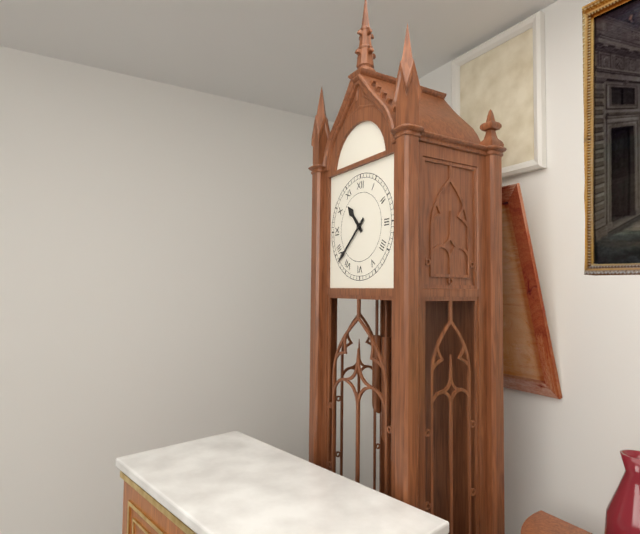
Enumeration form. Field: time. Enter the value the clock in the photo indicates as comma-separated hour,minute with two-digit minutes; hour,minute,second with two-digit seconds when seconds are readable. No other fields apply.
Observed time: 10,38
